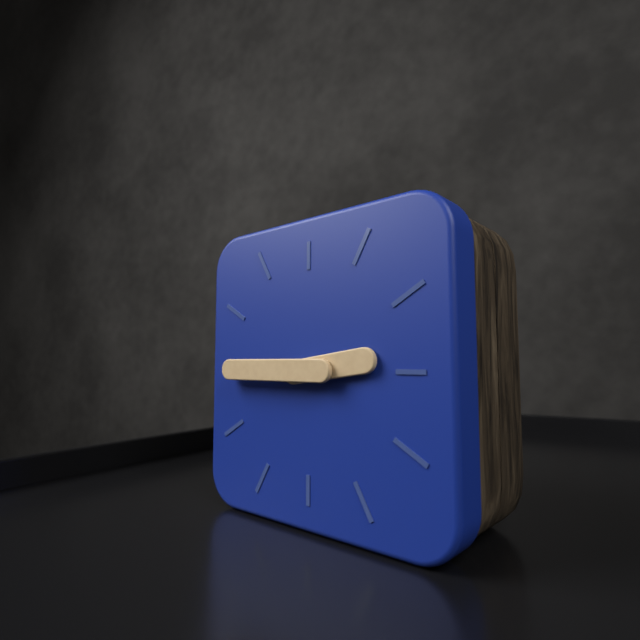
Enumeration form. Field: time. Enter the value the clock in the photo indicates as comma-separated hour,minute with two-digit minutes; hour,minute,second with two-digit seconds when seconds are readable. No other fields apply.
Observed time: 2,45
